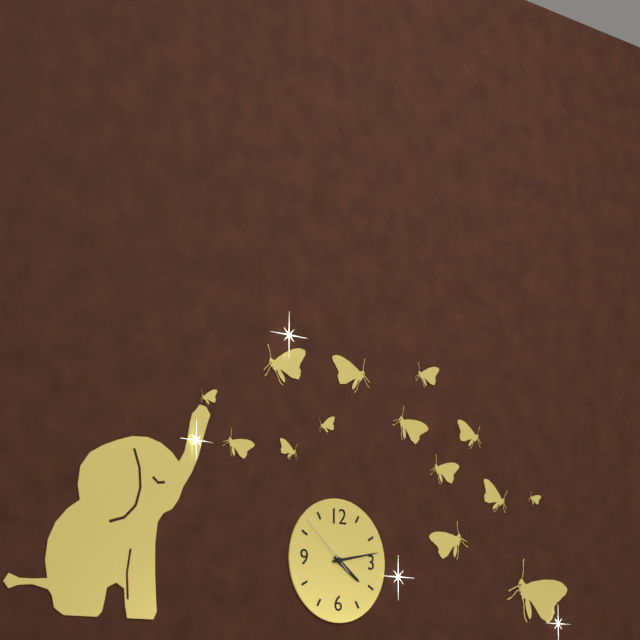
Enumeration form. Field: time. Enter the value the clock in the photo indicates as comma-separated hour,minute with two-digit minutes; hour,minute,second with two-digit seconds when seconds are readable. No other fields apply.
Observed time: 4,13,52
